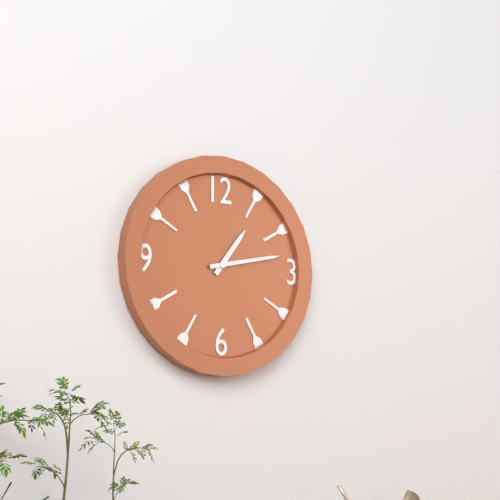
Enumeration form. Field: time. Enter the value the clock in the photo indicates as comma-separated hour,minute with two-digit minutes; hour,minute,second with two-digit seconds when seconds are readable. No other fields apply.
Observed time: 1,13
